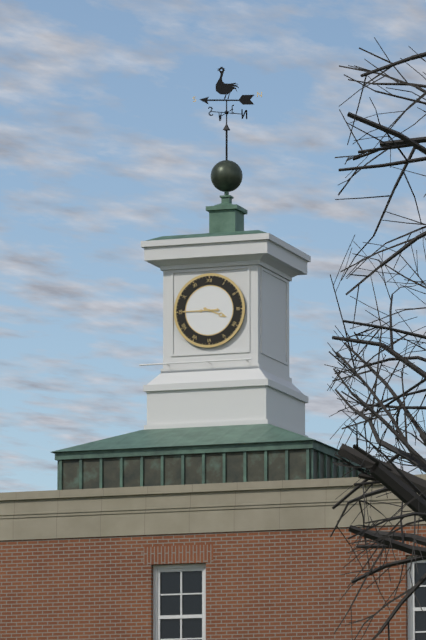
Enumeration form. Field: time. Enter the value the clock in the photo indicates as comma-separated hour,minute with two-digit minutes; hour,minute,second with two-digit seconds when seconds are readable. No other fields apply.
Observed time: 3,45
